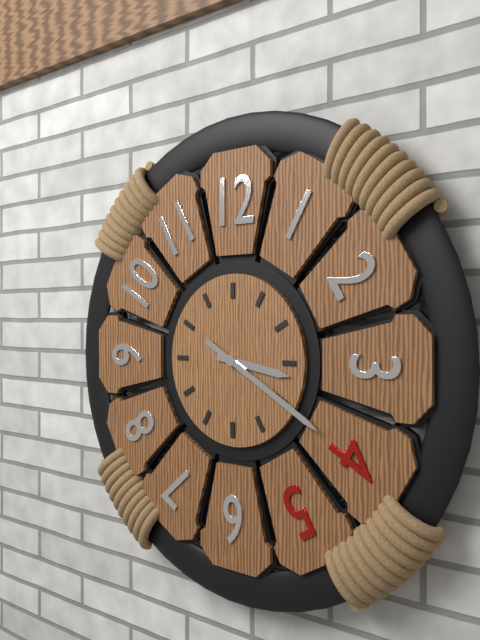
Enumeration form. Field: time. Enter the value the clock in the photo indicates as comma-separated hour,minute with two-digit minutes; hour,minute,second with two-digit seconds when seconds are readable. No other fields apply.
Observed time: 3,20
